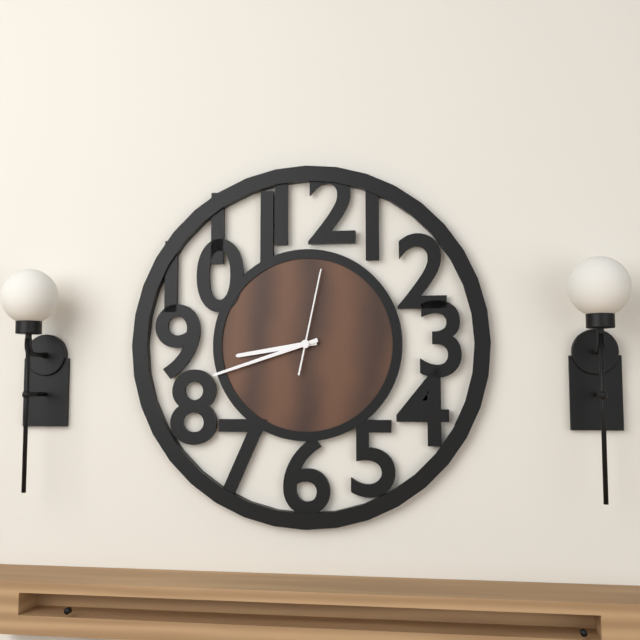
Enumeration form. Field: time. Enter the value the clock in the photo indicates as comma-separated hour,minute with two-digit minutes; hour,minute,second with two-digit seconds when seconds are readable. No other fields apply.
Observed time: 8,42,02
